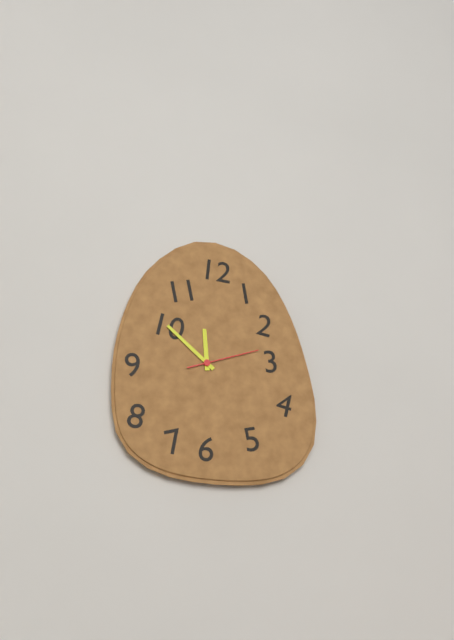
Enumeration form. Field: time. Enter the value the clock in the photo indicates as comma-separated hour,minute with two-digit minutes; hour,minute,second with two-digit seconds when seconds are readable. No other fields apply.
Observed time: 11,52,12
